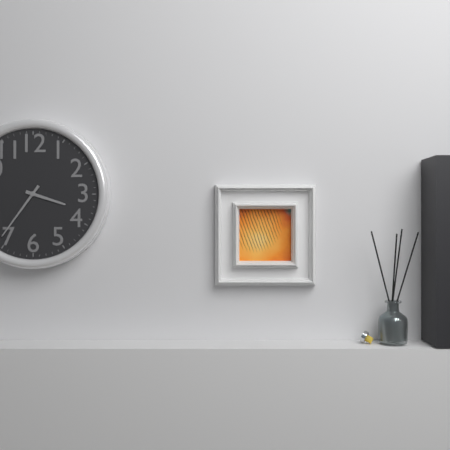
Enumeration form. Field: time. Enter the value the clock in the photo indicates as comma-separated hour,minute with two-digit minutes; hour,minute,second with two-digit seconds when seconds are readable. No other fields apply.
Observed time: 3,36
